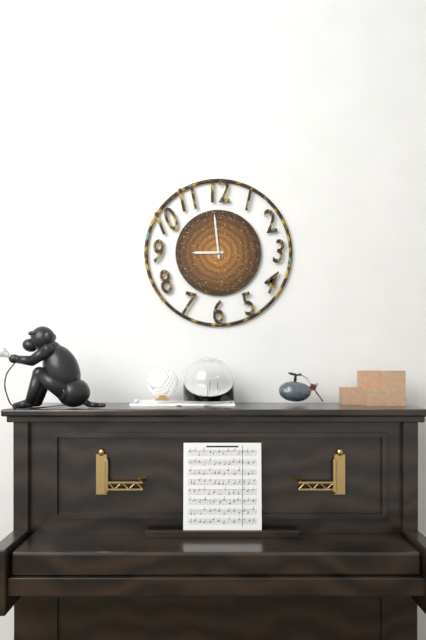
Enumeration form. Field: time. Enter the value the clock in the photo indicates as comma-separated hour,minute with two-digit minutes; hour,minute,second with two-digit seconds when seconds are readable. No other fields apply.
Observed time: 8,59
